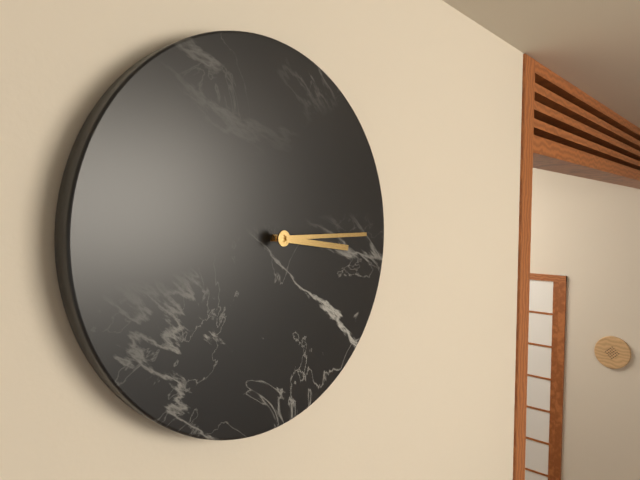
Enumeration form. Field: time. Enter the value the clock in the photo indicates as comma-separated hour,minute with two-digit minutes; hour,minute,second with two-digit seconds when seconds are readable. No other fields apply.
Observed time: 3,15
